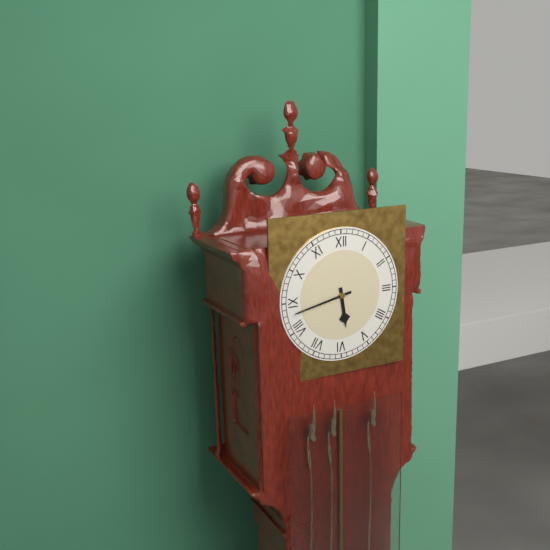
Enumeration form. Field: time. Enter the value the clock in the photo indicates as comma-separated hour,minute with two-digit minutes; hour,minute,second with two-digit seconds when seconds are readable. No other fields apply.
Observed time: 5,43
